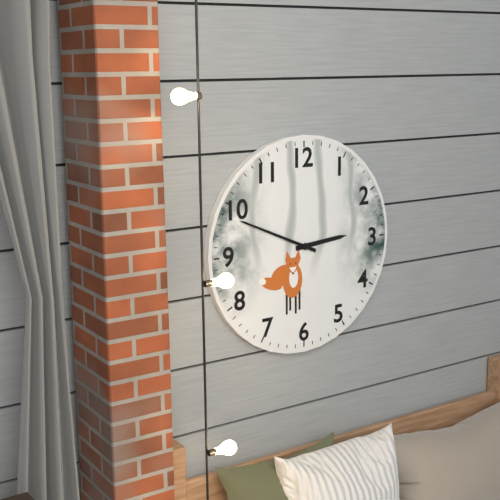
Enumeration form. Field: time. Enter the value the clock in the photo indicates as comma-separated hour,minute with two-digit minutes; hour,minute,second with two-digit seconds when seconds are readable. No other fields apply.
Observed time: 2,49
